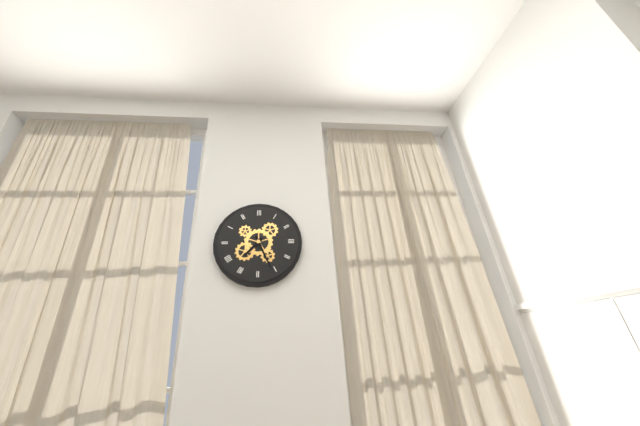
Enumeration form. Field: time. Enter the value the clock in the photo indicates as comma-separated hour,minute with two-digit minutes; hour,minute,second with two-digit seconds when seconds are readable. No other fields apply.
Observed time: 7,26
